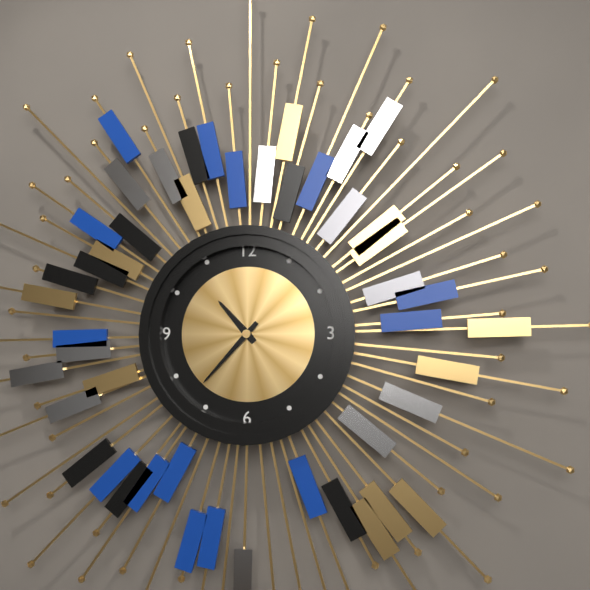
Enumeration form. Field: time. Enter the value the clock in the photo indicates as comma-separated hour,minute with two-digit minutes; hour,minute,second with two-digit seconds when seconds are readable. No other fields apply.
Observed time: 10,37
